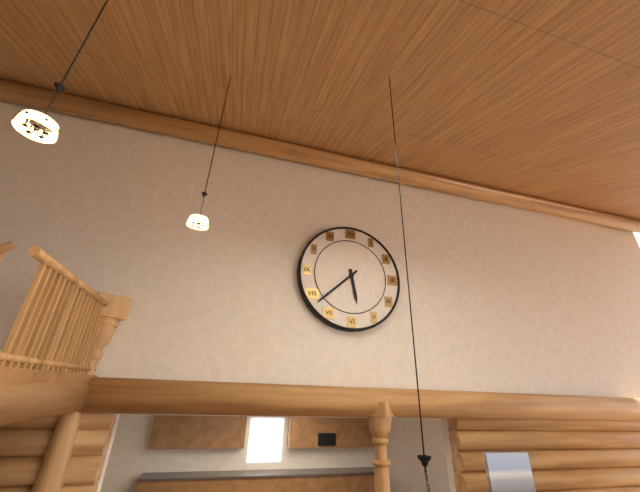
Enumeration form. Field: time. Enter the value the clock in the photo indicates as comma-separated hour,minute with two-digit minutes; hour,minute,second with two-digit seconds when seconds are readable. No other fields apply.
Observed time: 5,38
